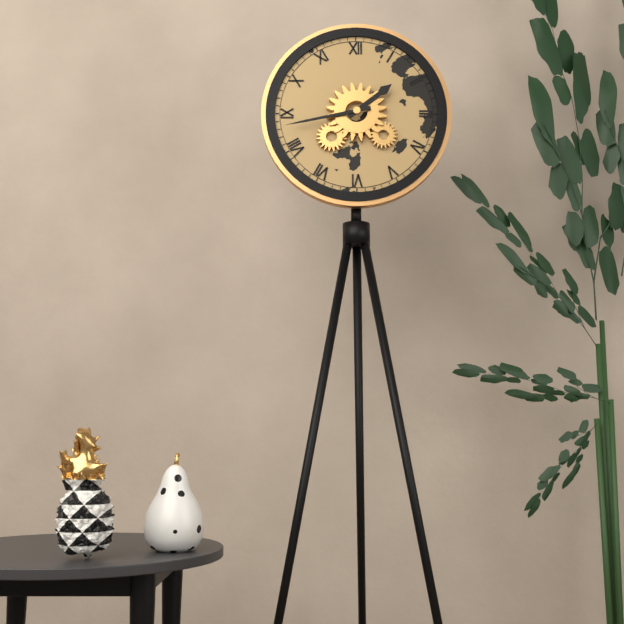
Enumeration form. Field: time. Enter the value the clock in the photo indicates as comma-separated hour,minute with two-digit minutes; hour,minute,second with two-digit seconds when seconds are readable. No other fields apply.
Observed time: 1,43
